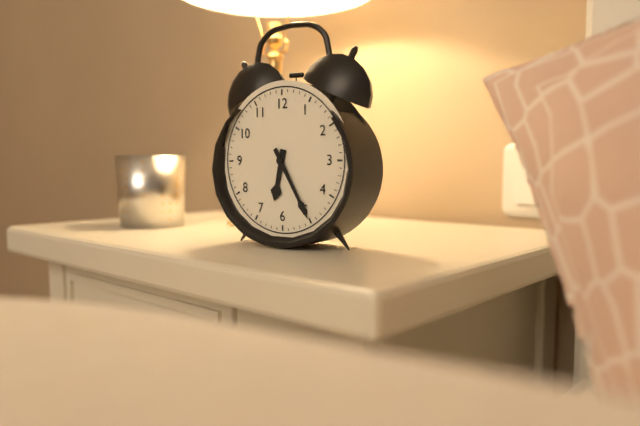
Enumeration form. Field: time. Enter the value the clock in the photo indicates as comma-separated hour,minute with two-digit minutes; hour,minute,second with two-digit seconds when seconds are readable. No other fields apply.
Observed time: 6,25
